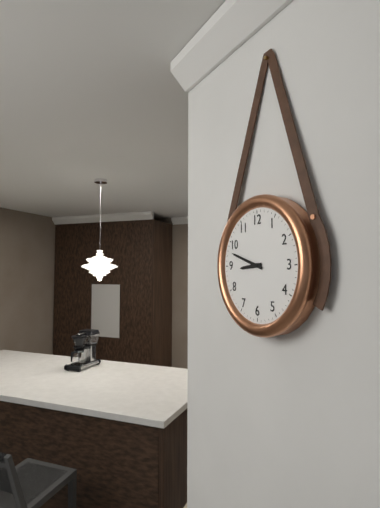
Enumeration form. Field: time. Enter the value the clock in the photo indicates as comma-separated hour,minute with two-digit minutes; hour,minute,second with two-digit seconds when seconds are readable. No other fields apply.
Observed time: 8,48
